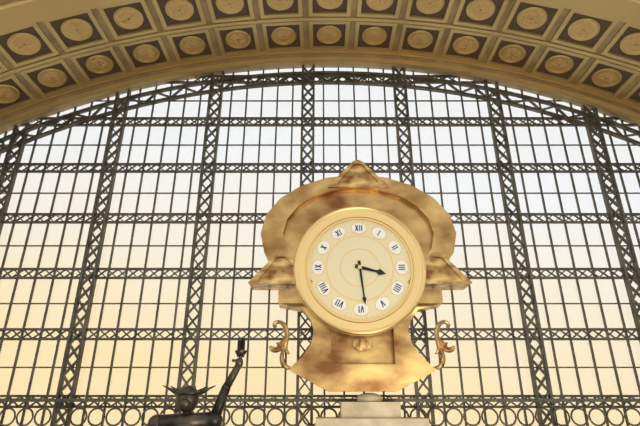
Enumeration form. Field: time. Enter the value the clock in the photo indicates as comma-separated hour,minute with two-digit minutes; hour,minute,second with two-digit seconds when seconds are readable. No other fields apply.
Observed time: 3,29
